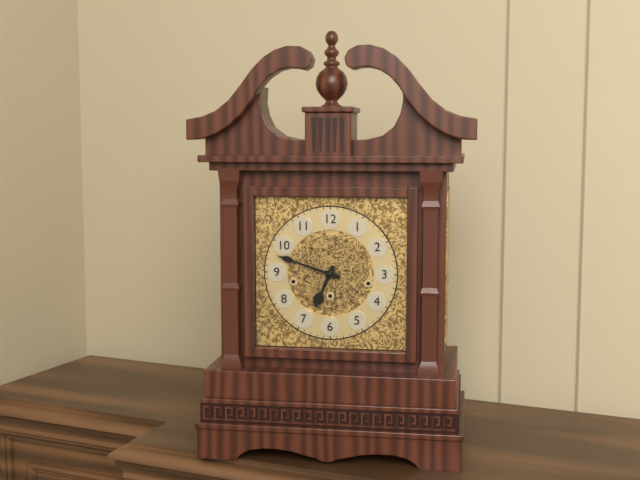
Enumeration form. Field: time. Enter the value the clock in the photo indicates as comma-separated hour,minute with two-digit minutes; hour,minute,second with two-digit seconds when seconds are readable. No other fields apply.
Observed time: 6,48
